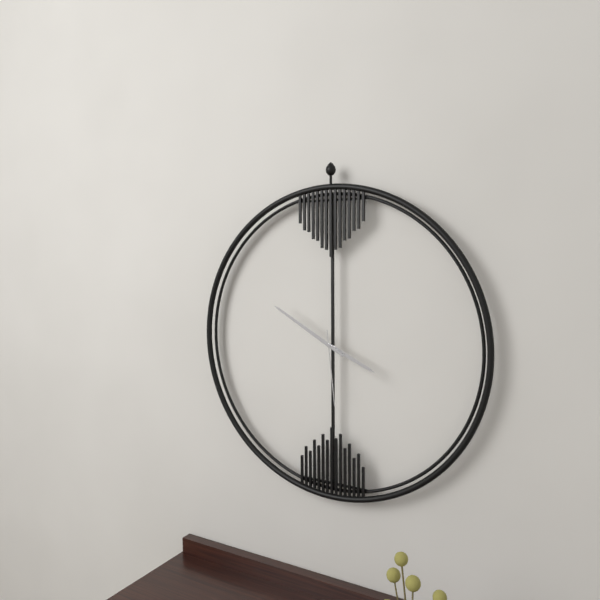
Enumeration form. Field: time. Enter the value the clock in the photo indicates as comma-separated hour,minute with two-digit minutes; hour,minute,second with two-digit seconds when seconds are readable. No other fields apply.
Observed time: 3,50,29
